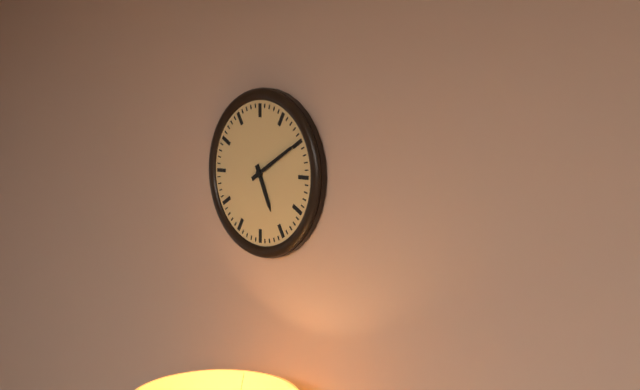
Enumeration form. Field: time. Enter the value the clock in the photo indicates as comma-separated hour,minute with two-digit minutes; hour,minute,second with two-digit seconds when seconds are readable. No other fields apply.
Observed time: 5,10
